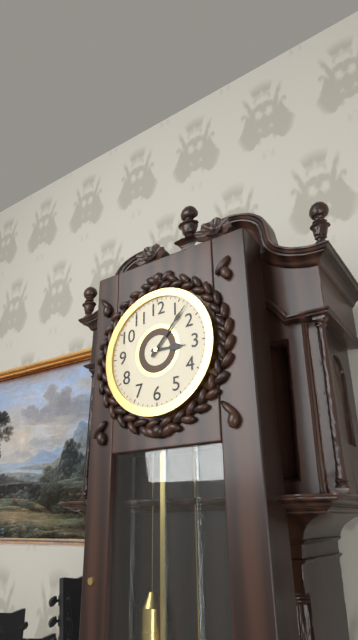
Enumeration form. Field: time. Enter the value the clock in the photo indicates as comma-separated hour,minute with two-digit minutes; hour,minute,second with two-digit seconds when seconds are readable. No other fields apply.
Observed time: 3,07
